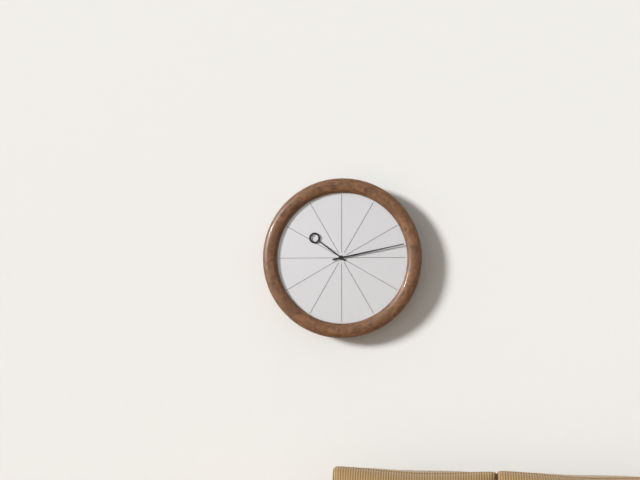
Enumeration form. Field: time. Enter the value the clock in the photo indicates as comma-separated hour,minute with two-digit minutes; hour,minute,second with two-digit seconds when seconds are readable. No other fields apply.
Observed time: 10,13
